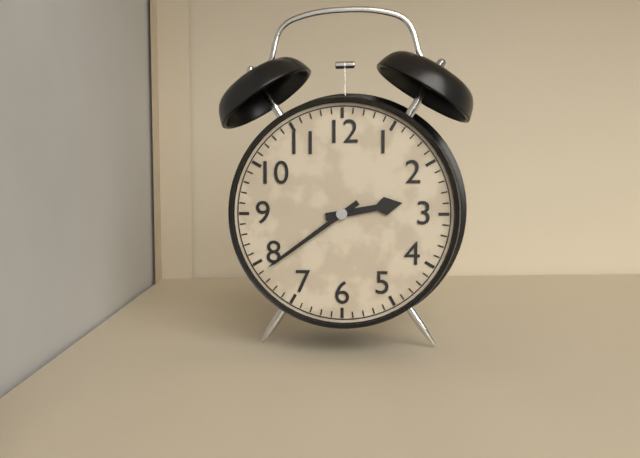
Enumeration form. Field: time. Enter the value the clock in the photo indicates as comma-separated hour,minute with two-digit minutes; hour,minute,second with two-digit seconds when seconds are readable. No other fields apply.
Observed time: 2,39
